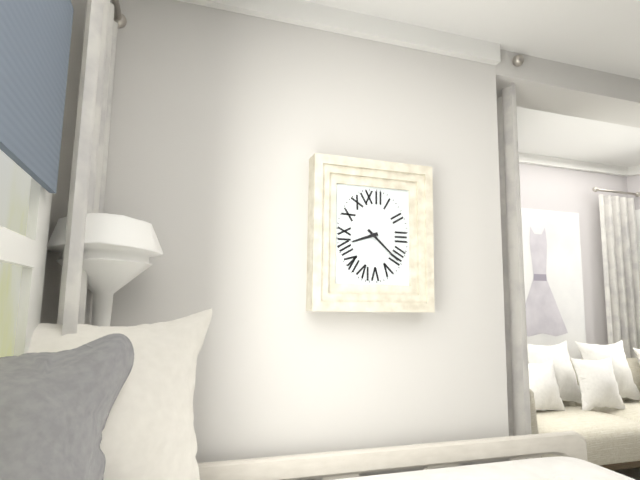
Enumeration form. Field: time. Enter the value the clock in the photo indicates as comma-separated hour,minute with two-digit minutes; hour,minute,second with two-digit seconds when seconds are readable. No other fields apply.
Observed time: 8,22
